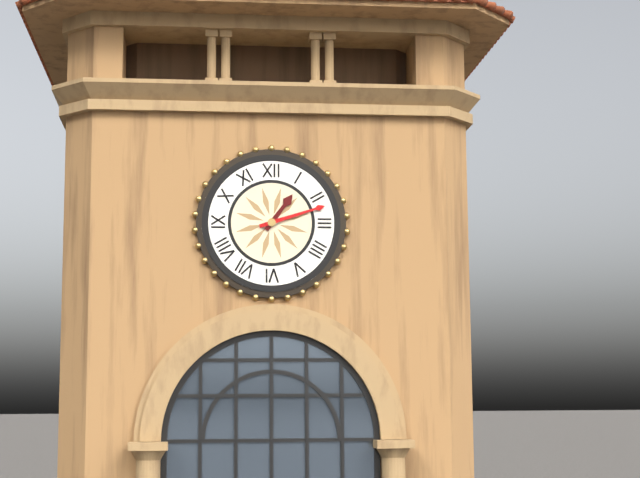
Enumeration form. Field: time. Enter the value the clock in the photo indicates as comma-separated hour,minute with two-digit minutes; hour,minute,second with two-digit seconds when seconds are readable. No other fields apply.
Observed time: 1,12
